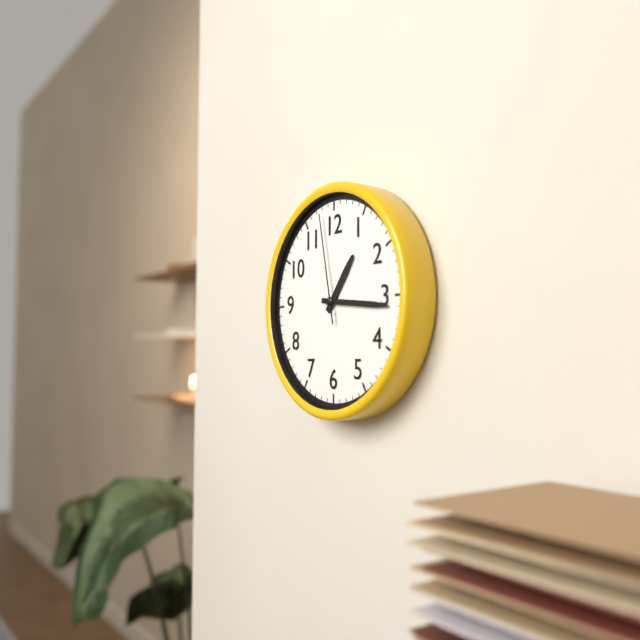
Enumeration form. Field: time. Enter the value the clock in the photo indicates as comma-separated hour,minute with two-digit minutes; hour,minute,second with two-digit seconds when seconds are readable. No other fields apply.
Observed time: 1,16,58
